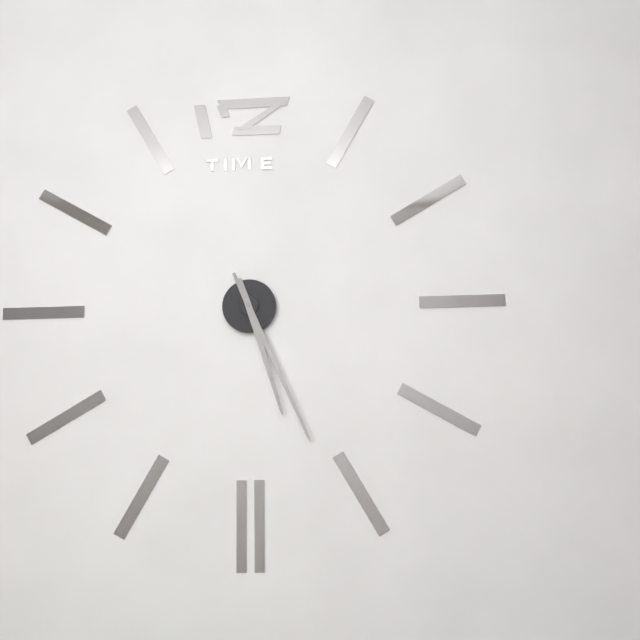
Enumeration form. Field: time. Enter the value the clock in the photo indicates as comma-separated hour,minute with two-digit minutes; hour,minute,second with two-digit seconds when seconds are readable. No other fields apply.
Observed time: 5,26
